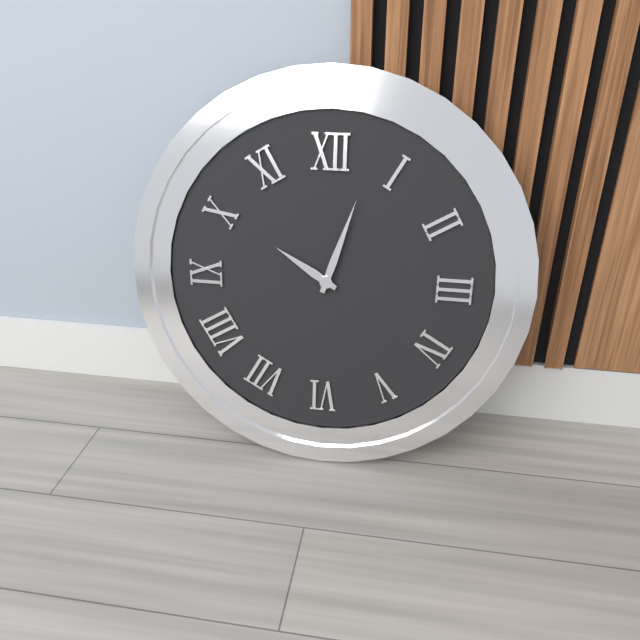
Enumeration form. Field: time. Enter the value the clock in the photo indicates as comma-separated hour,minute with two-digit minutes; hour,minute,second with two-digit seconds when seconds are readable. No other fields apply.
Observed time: 10,03
